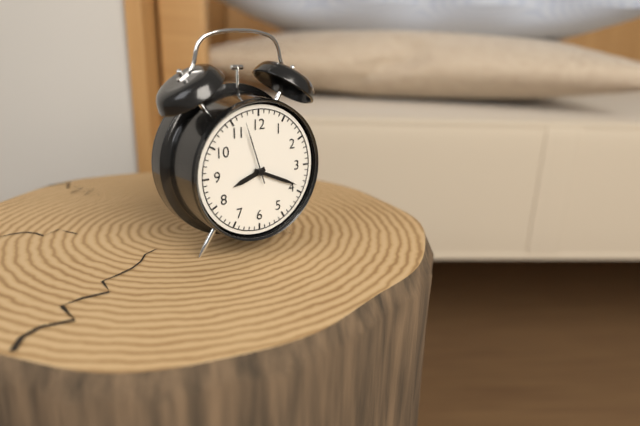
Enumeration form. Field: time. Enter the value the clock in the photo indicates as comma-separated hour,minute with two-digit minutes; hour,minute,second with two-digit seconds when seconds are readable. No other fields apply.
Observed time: 8,19,57
